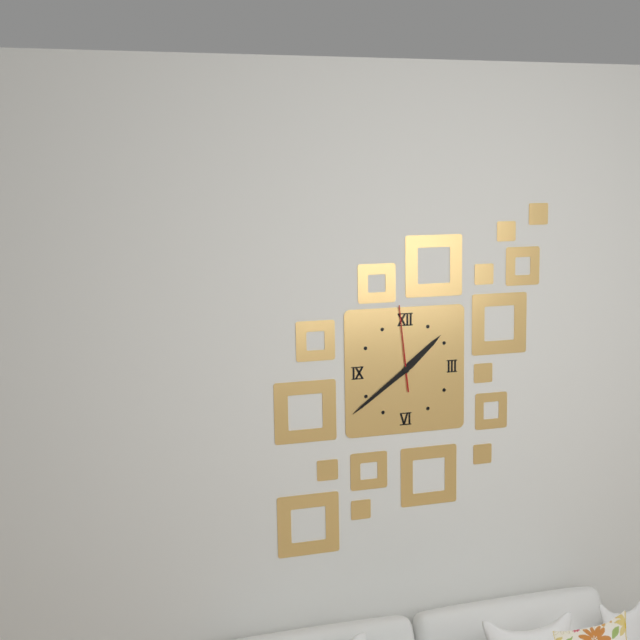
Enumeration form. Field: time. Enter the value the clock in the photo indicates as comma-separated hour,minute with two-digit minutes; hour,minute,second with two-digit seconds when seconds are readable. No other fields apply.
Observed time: 1,39,59
